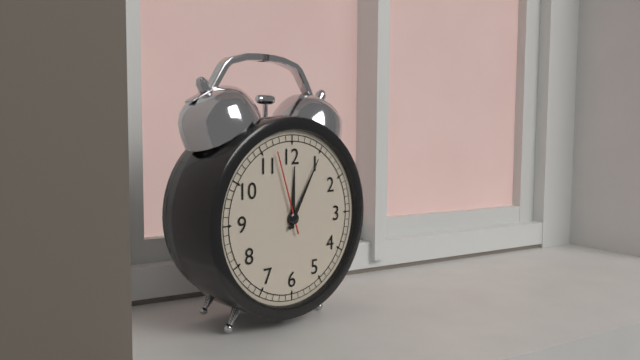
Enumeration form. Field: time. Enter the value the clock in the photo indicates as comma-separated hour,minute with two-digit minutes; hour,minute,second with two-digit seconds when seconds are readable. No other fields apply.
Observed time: 12,05,57
